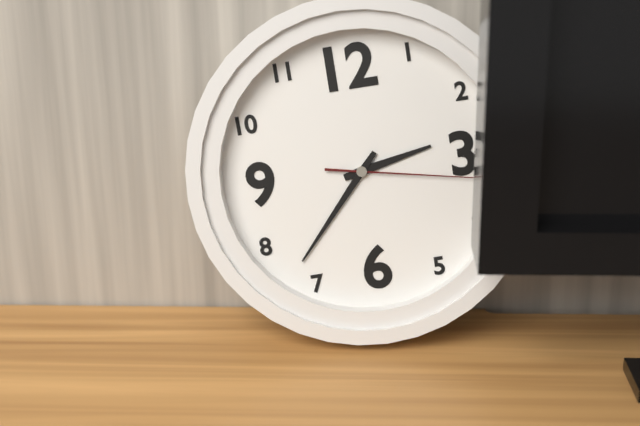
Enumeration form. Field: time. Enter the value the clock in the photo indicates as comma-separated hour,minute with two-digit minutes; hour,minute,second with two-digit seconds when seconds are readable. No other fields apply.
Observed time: 2,37,17
